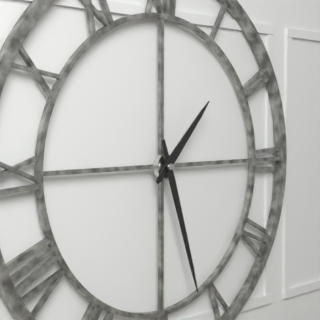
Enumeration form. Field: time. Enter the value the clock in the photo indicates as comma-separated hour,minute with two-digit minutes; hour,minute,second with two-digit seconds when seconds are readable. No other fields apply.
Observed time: 1,27
